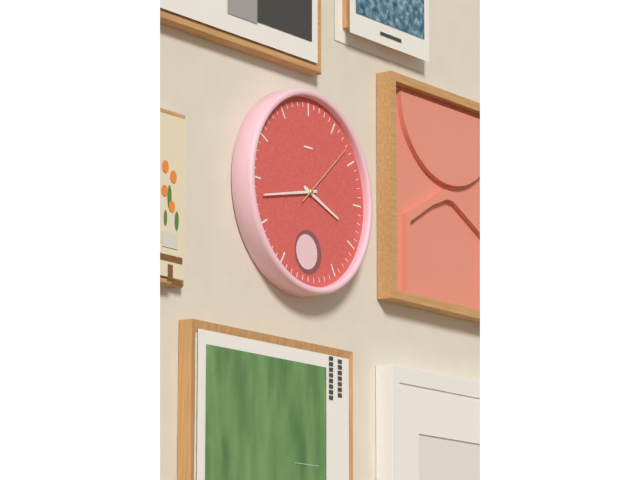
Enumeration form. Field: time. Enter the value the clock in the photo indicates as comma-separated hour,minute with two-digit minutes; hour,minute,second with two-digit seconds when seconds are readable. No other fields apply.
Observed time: 3,43,08
